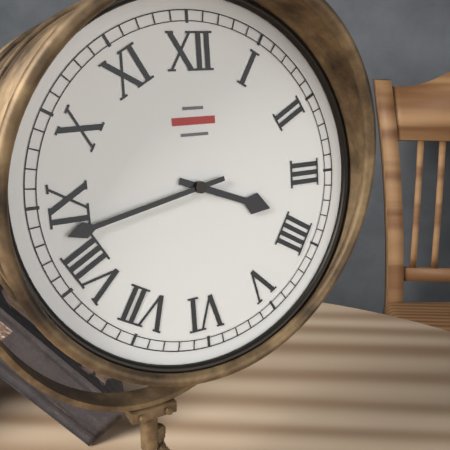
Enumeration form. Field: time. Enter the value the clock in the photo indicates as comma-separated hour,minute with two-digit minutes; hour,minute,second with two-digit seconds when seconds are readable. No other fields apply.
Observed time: 3,43
